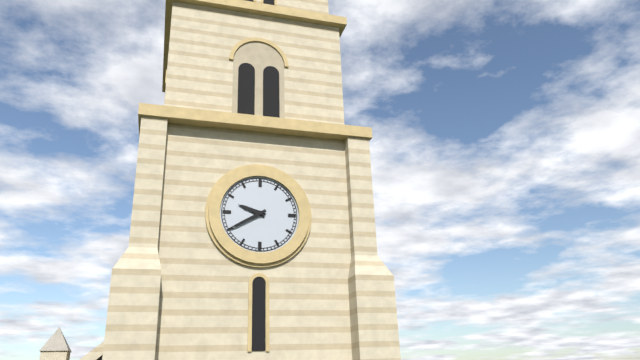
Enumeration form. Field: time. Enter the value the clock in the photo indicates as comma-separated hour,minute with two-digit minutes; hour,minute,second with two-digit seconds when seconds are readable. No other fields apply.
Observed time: 9,40
